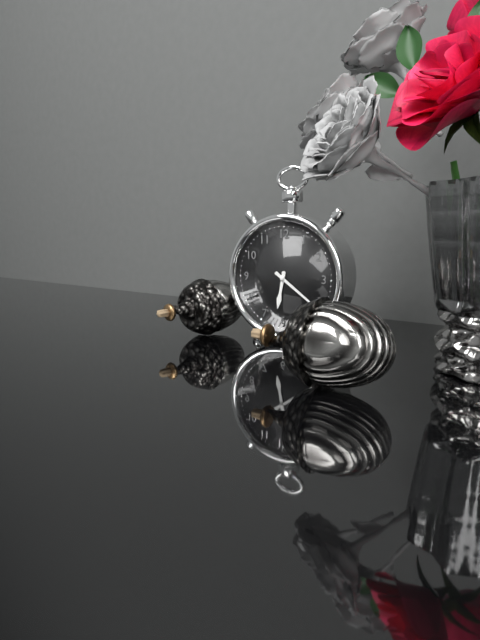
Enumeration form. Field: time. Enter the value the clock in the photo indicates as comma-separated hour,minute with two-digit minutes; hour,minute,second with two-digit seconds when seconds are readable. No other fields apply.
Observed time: 6,21
